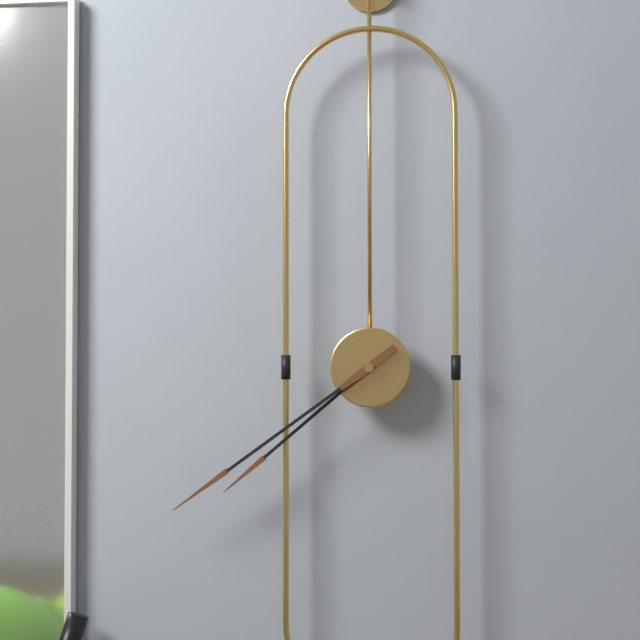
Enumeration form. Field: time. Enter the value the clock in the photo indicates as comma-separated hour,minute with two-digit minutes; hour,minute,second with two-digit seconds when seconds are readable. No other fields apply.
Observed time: 7,39
